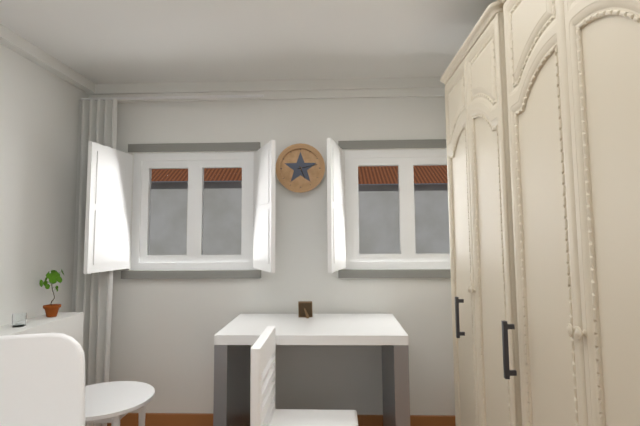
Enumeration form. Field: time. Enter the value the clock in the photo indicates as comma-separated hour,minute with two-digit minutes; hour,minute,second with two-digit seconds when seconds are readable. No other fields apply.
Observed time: 5,13
